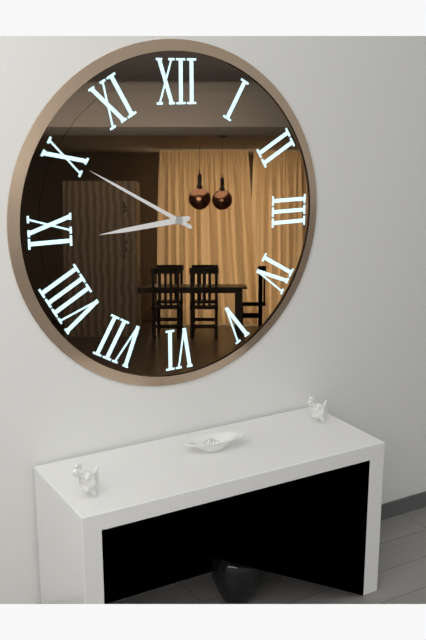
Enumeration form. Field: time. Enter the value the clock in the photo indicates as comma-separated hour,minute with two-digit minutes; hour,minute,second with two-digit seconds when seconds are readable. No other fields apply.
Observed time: 8,50
